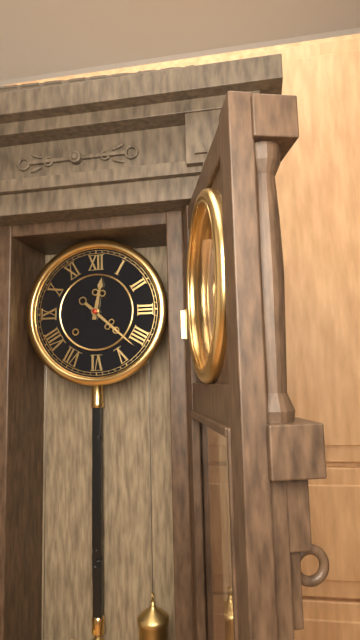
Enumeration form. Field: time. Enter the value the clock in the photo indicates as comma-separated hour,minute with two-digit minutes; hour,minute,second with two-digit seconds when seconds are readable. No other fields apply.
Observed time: 12,22
